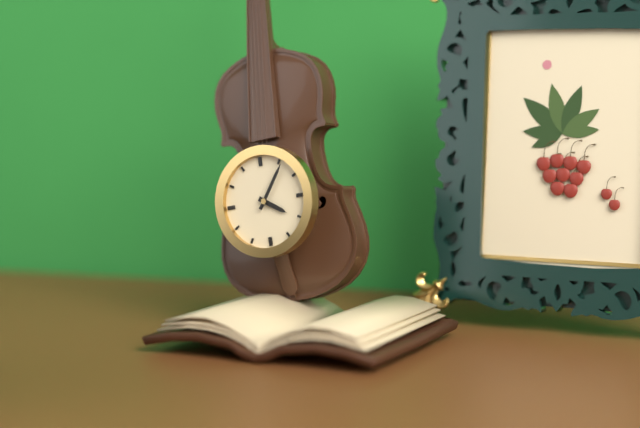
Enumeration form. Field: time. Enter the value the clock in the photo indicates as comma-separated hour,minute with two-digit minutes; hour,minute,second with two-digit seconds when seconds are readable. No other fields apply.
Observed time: 4,06
